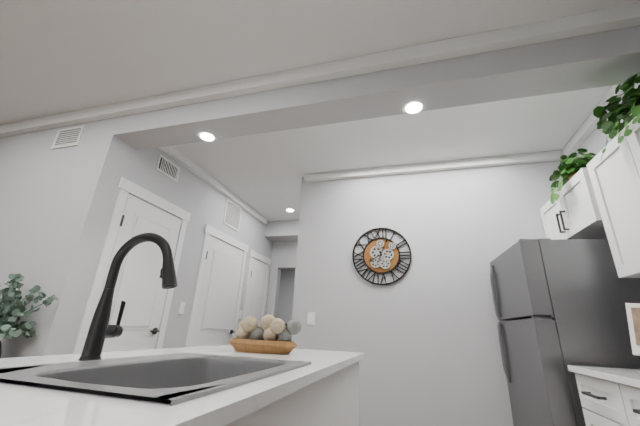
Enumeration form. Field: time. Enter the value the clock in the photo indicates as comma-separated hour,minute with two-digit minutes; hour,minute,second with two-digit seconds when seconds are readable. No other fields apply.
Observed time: 8,04
